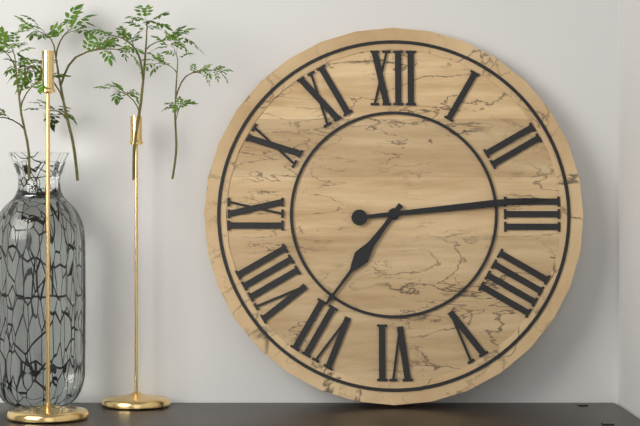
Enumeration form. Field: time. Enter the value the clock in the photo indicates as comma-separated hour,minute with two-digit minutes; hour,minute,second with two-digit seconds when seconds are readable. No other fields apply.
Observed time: 7,14
